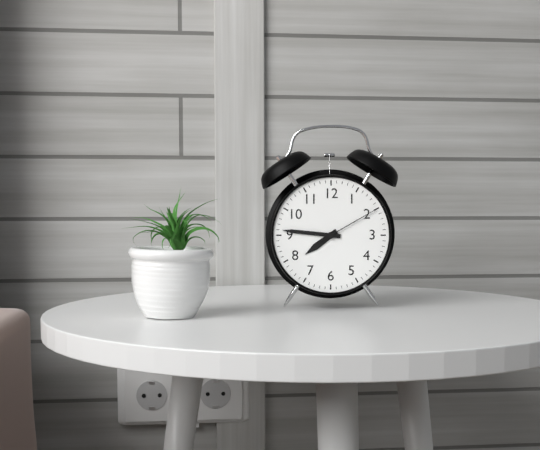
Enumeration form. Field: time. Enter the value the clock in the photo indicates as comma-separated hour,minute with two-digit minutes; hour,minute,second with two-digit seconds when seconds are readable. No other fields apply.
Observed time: 7,46,10
